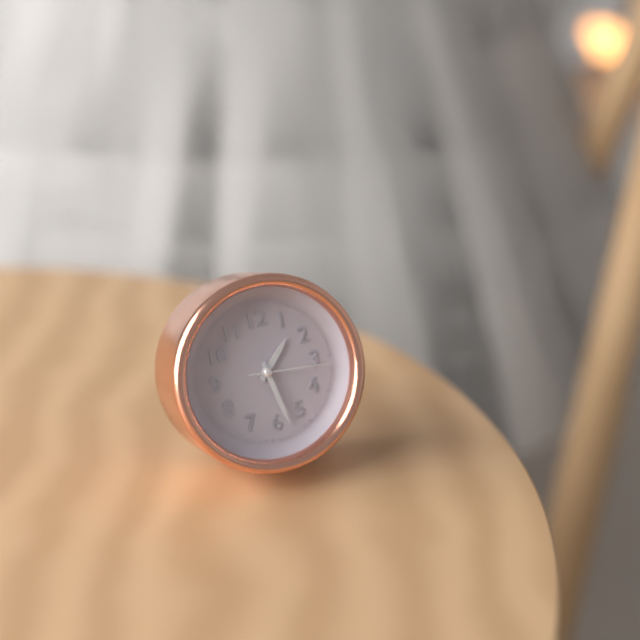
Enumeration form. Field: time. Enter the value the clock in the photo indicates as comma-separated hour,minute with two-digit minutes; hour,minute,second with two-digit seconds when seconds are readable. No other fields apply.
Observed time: 1,28,16
